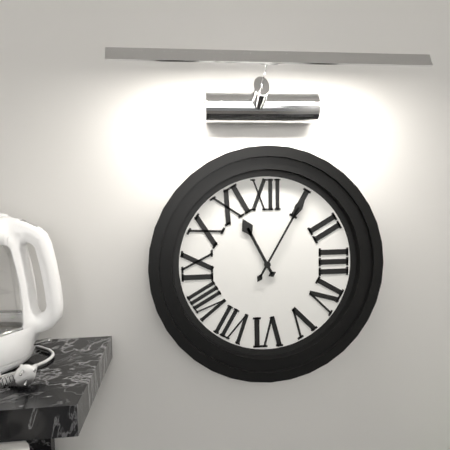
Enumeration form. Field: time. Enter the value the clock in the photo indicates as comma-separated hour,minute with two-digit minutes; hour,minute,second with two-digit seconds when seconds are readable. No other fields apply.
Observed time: 11,05
